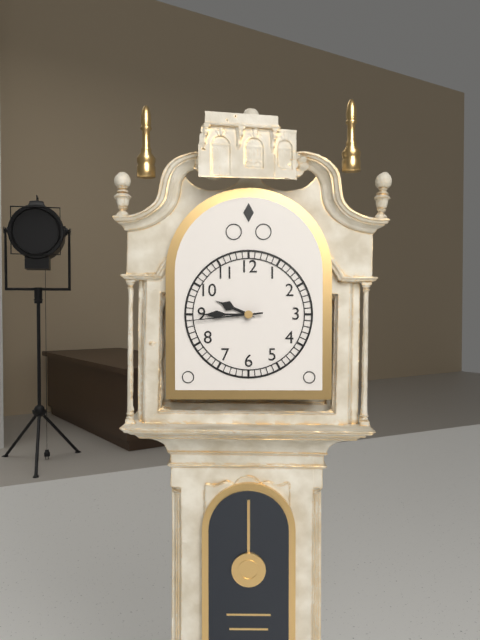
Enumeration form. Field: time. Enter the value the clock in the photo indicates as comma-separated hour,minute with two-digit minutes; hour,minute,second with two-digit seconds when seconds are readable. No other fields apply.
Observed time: 9,45,44
